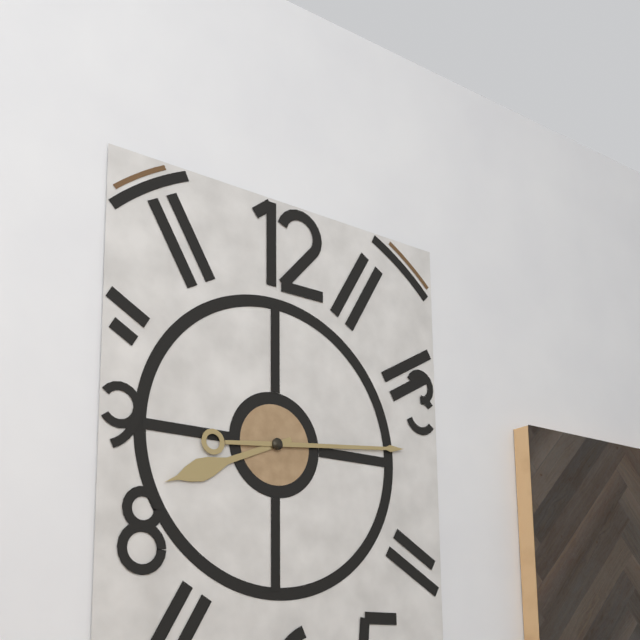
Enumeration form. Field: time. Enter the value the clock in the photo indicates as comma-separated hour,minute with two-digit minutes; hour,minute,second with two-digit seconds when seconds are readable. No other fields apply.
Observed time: 8,14
